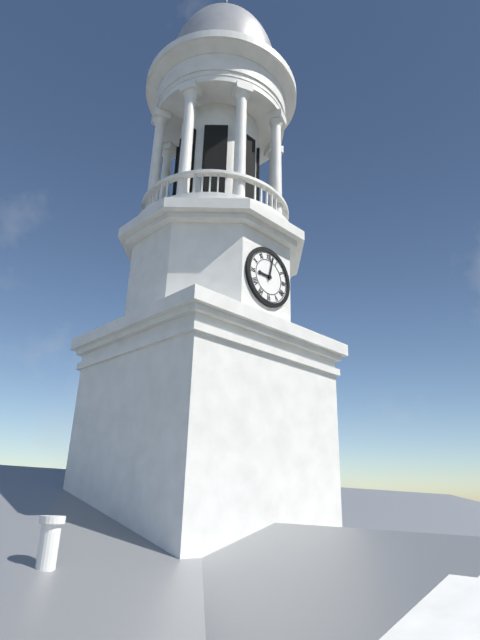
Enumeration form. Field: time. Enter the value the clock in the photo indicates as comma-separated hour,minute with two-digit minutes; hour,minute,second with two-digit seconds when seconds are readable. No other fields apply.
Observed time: 9,02
